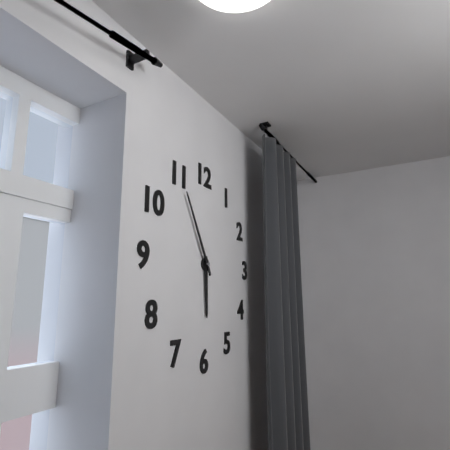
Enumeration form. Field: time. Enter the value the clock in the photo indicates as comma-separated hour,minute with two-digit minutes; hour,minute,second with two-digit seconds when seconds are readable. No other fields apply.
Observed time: 5,55
